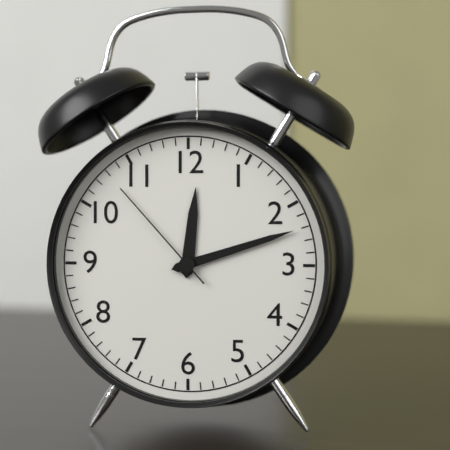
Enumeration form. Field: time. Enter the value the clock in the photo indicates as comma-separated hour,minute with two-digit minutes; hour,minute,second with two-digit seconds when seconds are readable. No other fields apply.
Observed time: 12,12,53
